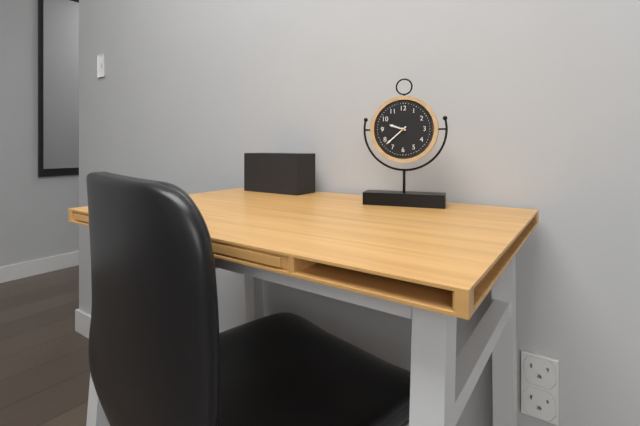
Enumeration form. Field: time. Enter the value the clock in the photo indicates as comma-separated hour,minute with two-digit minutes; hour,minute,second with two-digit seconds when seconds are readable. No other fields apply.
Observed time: 9,38
